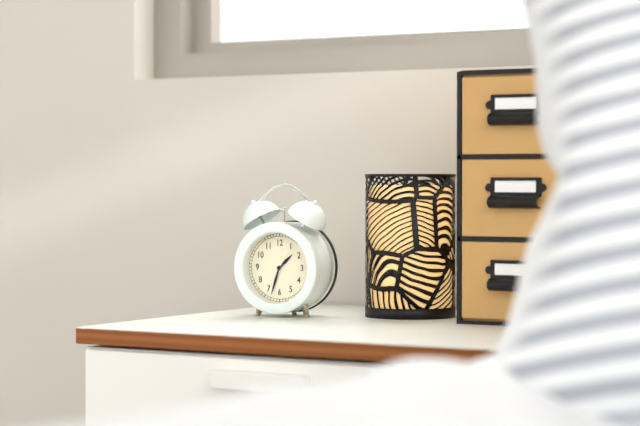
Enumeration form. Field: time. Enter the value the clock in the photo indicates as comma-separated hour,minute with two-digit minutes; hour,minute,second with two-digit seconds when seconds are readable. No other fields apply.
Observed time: 1,33
